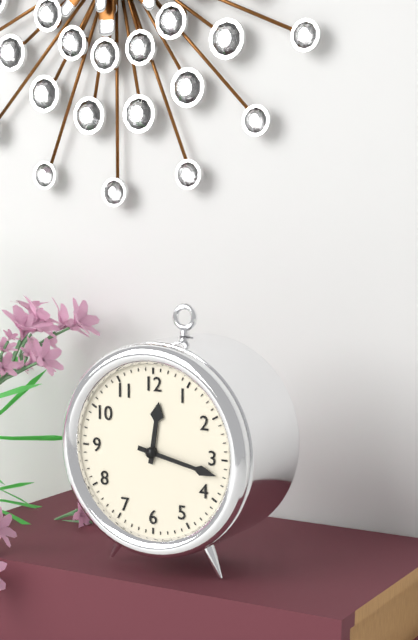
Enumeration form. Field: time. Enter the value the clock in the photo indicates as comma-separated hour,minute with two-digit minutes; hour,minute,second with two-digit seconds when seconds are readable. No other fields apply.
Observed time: 12,17
